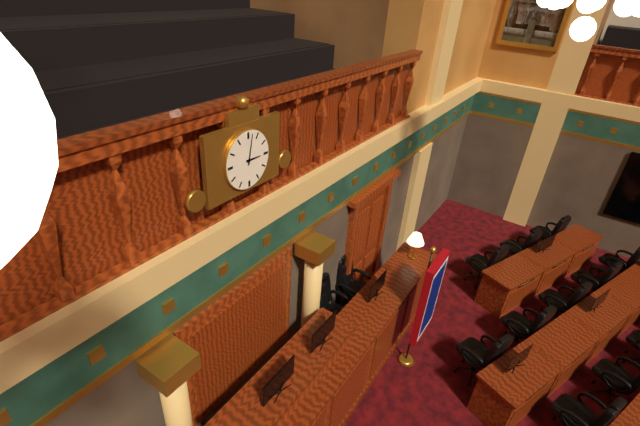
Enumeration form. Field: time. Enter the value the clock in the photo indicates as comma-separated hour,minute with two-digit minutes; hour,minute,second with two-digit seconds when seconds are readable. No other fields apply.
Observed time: 3,02
